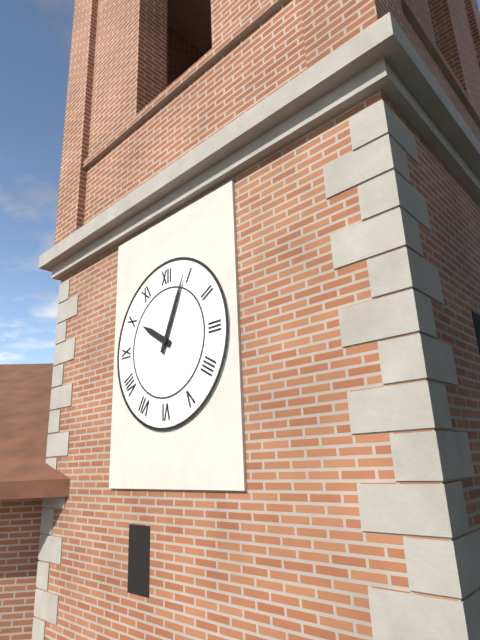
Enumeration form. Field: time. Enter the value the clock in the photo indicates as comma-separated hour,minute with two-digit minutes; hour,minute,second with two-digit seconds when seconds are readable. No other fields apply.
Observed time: 10,04
